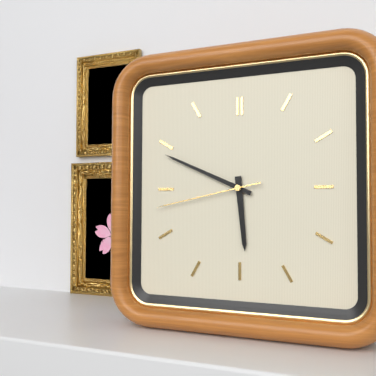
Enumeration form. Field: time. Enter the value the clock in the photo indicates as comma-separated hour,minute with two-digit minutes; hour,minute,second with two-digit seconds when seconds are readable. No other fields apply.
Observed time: 5,49,43
